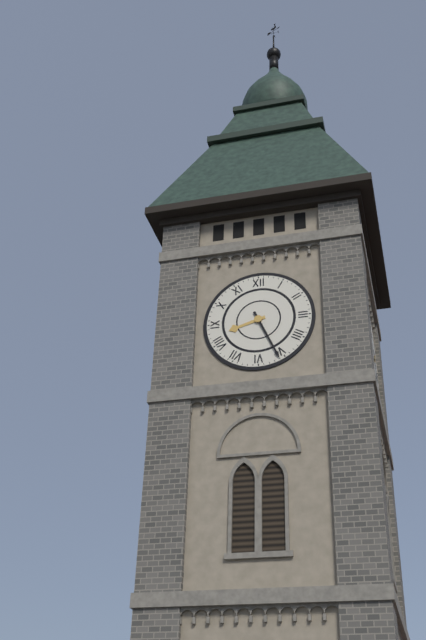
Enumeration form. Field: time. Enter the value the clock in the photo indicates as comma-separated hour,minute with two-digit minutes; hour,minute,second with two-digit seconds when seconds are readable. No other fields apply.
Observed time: 8,26
